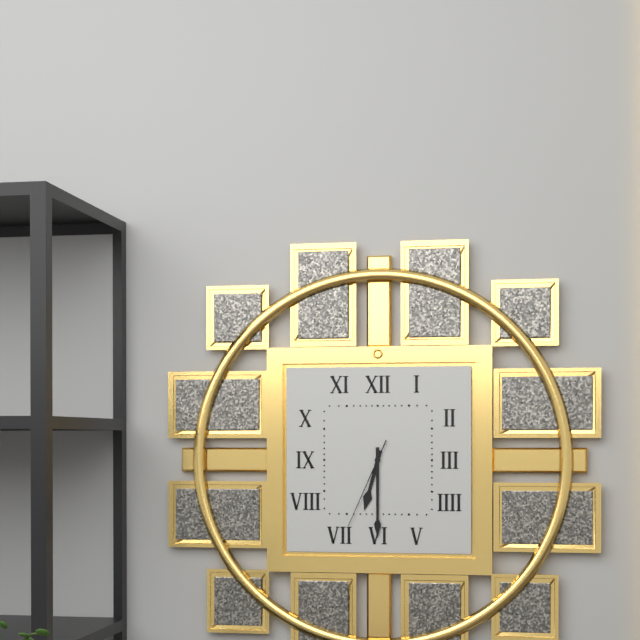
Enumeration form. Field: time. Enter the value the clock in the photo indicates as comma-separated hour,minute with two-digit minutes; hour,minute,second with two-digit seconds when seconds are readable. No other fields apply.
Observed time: 6,30,34
